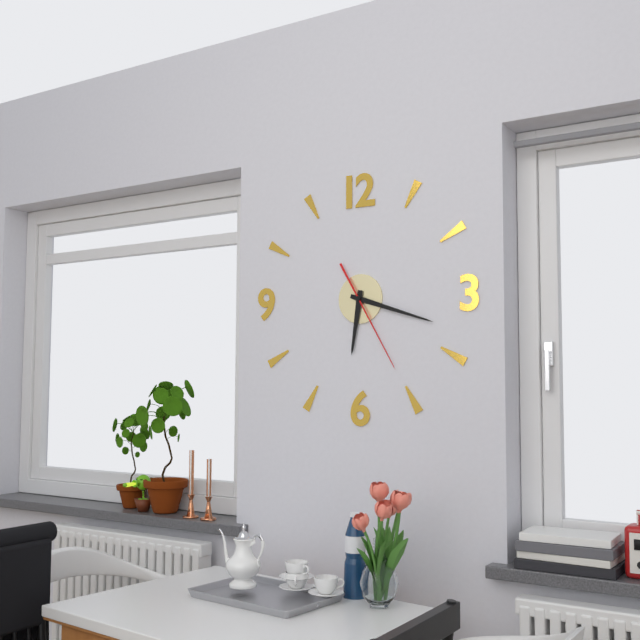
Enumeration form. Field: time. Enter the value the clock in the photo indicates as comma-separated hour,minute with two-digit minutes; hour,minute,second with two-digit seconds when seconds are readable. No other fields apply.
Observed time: 6,18,25
